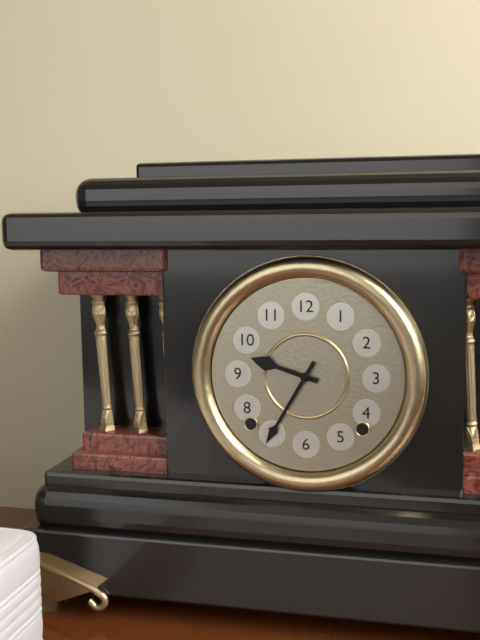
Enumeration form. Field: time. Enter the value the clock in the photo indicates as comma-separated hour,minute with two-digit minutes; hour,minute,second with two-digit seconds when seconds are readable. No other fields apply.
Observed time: 9,35
